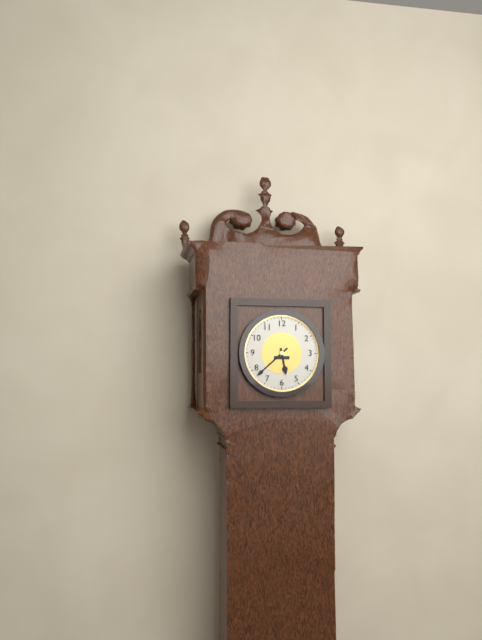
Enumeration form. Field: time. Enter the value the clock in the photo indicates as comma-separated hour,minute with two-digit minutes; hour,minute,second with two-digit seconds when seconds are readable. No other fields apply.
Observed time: 5,38
